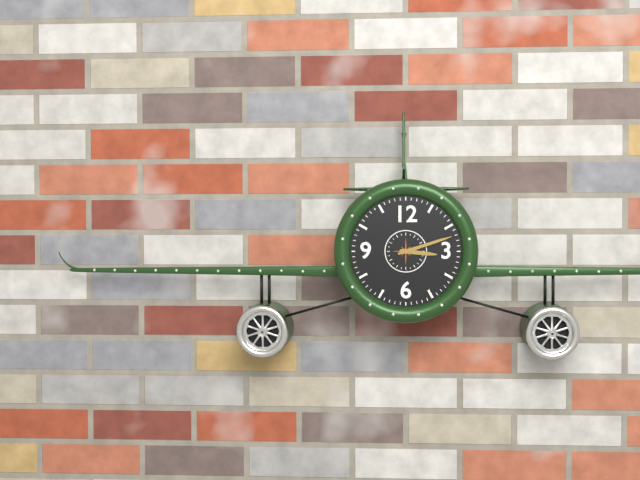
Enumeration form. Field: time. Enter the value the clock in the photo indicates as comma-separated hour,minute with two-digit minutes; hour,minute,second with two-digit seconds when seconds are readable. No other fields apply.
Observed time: 3,12
